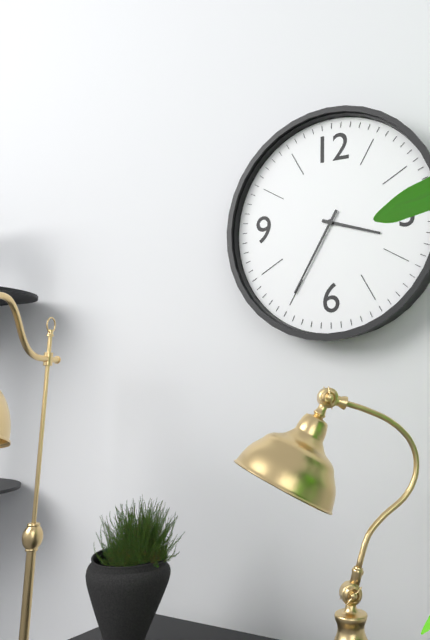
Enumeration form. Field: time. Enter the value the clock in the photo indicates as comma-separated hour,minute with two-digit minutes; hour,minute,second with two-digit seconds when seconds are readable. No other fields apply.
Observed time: 3,35
